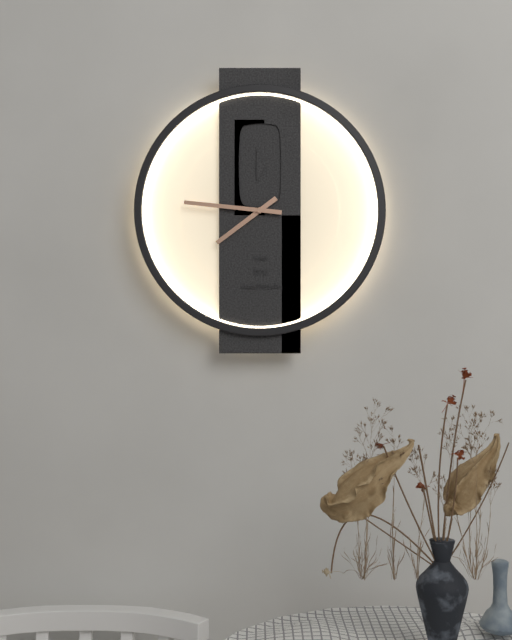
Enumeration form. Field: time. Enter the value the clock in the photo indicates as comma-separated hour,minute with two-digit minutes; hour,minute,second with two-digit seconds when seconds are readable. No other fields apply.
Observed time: 7,46
